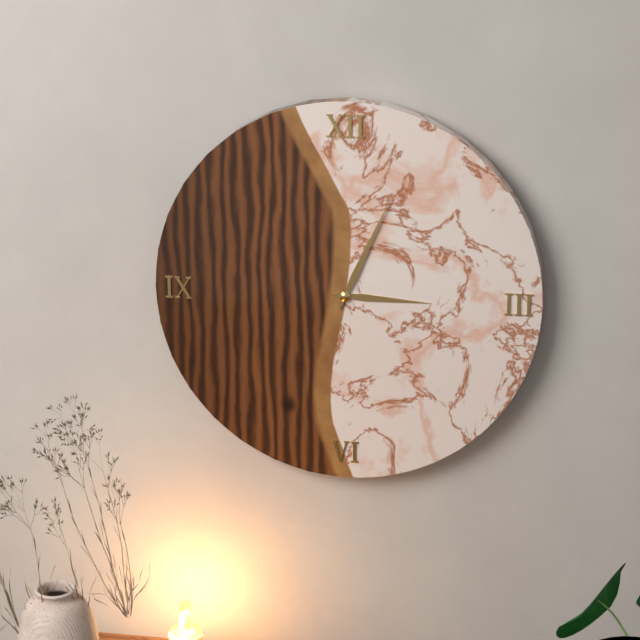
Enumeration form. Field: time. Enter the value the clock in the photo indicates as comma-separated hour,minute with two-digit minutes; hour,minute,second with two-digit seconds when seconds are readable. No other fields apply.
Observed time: 3,04
